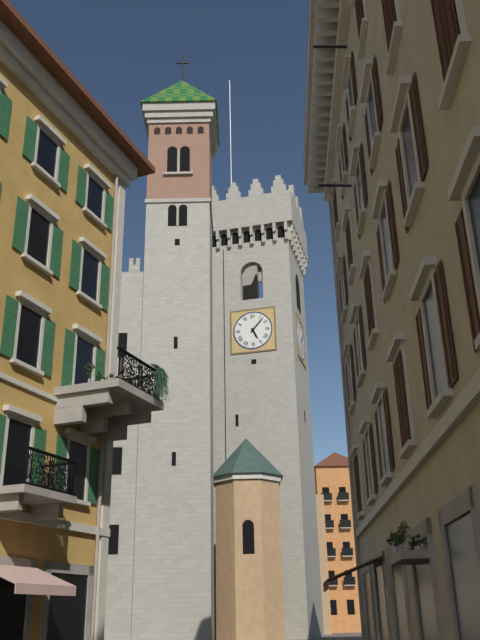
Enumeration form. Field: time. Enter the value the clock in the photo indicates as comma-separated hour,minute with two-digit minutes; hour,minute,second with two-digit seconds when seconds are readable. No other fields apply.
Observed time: 5,07
